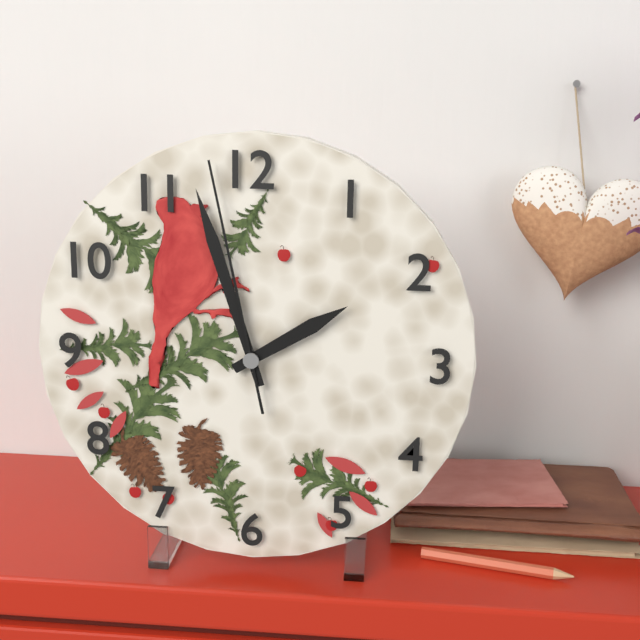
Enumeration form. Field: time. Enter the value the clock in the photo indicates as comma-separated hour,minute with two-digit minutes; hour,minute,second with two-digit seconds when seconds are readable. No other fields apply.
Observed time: 1,57,58
